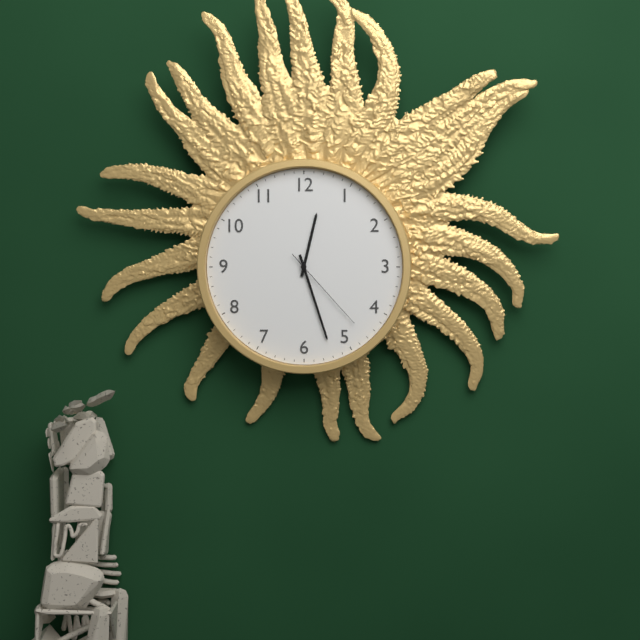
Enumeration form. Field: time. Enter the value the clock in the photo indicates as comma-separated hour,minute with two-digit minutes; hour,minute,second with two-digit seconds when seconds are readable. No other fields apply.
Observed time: 12,27,23
